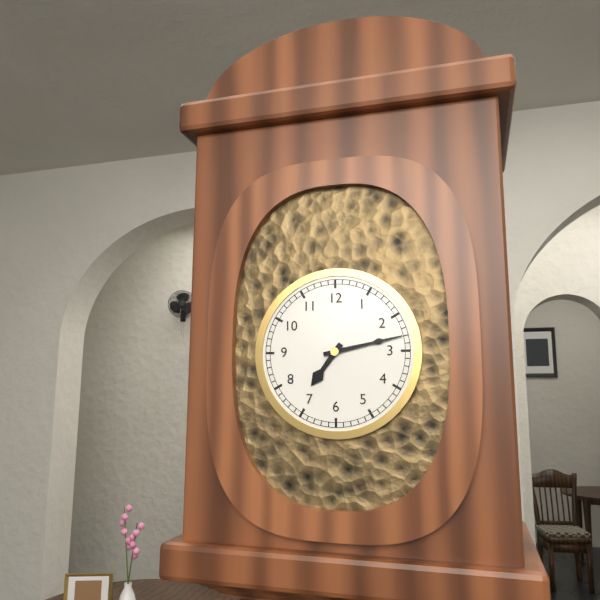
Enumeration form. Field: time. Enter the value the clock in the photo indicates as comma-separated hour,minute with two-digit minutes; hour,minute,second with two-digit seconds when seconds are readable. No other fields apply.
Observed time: 7,13
